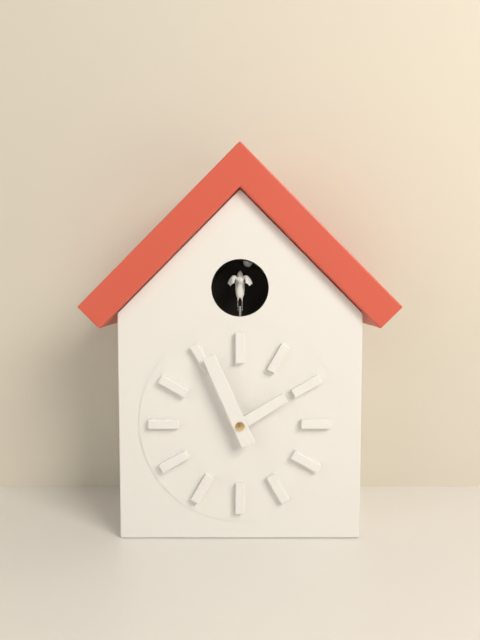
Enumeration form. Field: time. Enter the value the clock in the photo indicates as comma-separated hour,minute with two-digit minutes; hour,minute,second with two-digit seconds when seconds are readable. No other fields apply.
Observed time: 1,56
